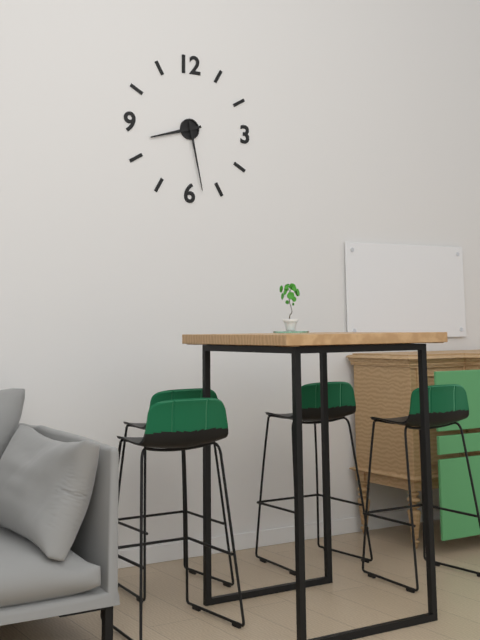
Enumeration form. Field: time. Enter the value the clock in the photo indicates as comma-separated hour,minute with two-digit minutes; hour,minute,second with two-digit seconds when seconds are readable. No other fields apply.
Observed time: 8,28
